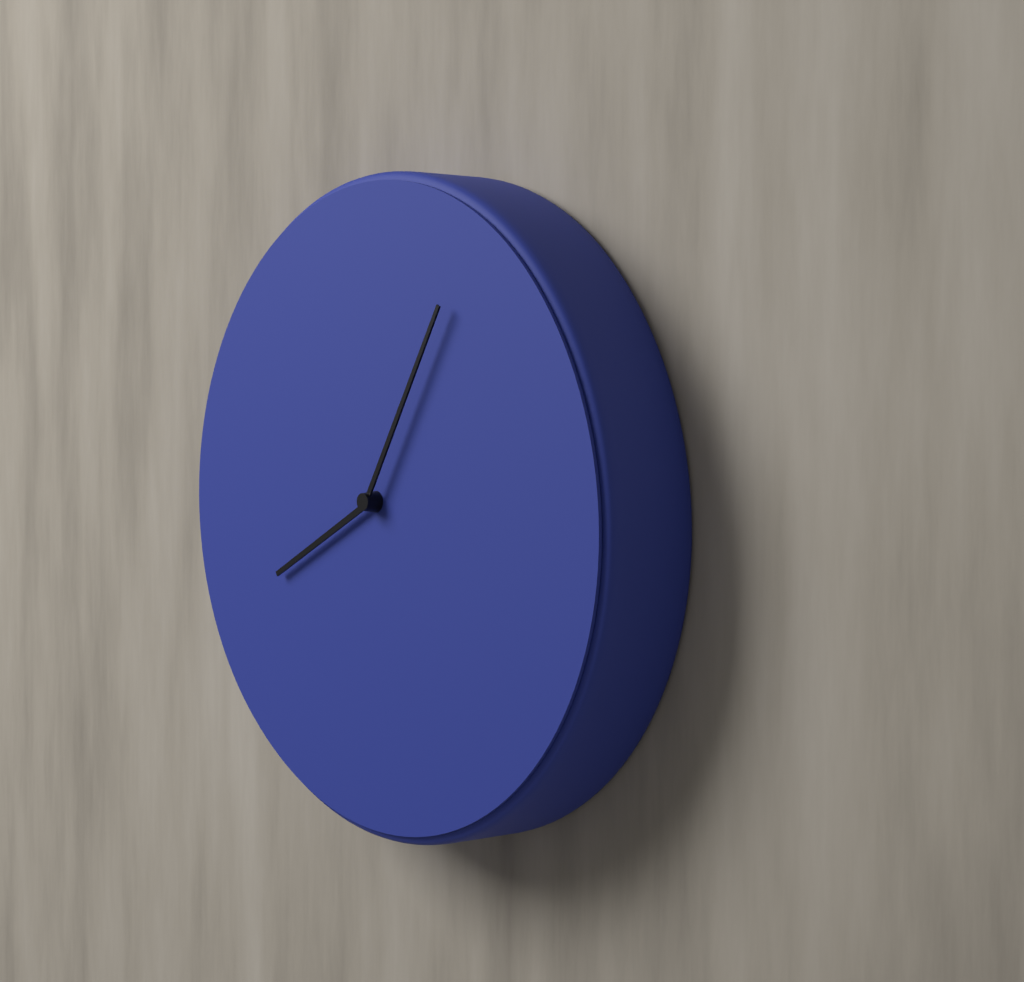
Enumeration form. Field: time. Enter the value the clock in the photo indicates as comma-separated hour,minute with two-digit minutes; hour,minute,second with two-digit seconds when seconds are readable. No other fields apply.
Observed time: 8,05
